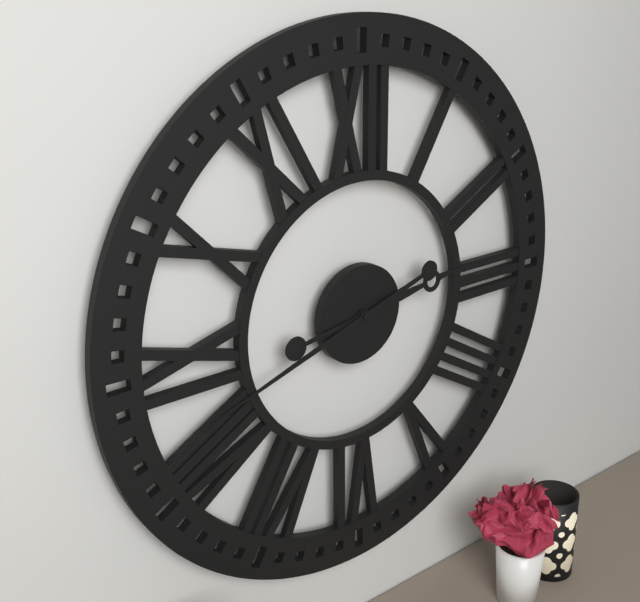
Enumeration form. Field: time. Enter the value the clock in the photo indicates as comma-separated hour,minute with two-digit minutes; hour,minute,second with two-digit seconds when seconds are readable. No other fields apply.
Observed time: 2,42
